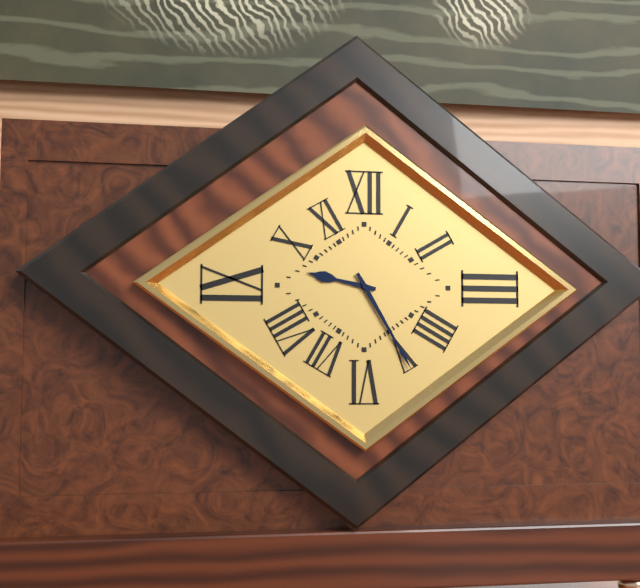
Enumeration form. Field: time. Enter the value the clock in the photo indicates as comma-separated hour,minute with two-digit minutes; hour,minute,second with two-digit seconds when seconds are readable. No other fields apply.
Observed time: 9,25
